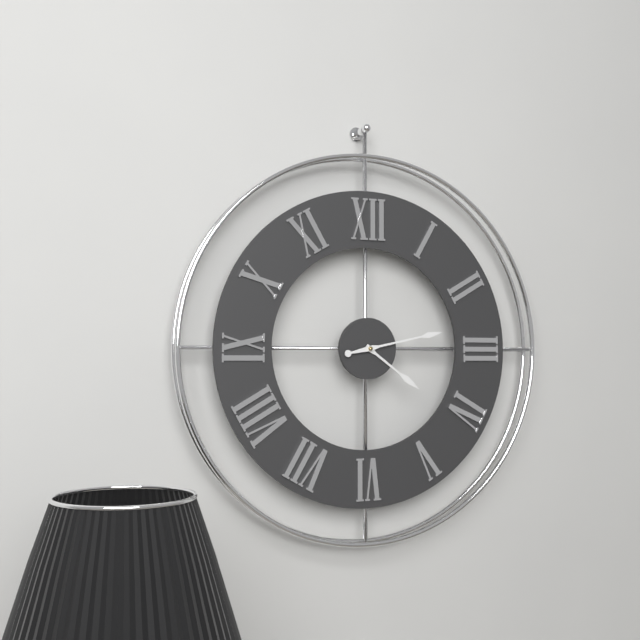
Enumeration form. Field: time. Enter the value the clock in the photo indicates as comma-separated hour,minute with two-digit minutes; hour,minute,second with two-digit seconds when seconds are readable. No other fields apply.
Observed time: 4,13
